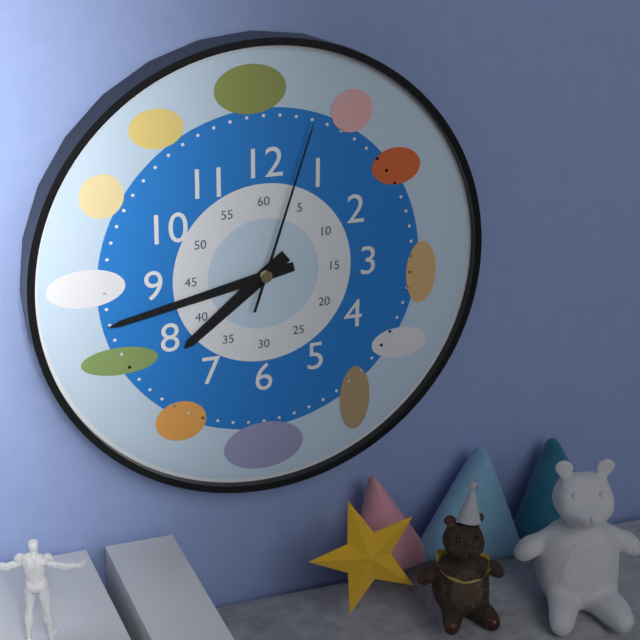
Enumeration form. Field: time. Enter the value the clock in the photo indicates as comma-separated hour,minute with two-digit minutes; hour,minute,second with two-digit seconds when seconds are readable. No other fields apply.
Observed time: 7,43,03
